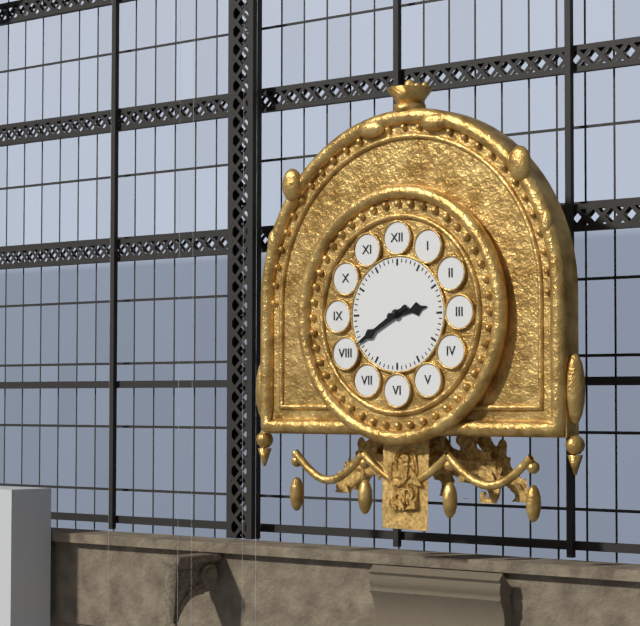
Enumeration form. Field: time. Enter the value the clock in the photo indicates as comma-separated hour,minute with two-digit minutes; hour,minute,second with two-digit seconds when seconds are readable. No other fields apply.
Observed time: 2,40
